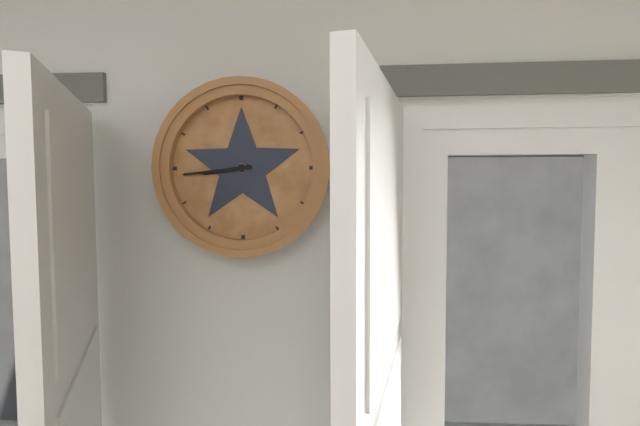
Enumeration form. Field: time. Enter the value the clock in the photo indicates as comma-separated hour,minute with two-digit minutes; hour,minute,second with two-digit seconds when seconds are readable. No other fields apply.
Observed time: 8,44
